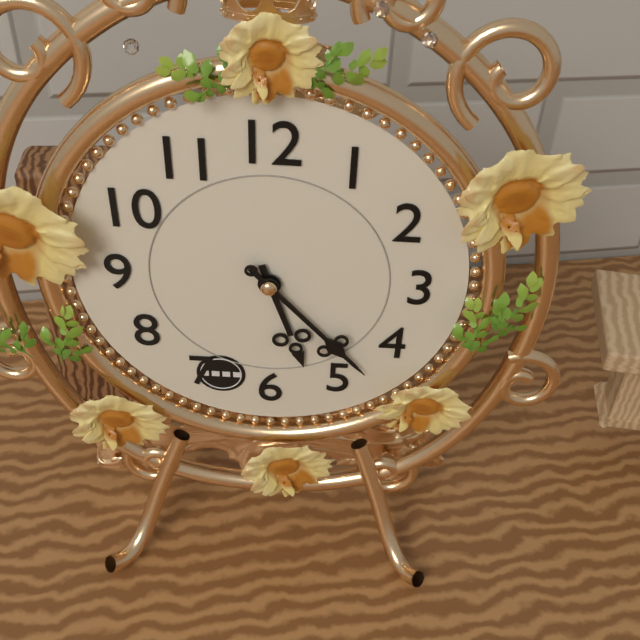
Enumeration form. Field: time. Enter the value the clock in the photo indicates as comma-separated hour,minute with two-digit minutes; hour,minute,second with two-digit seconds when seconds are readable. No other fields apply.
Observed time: 5,23
